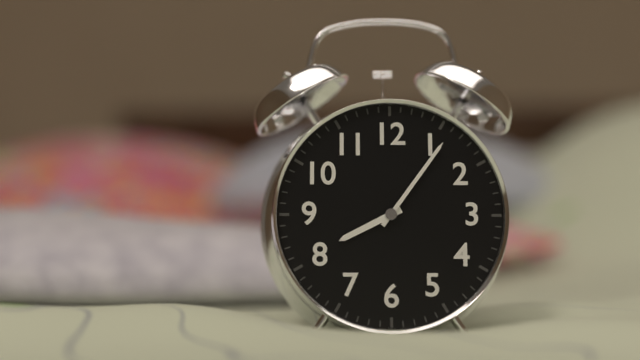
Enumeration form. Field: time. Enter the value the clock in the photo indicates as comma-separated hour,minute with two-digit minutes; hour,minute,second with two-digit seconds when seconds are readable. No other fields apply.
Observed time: 8,06
